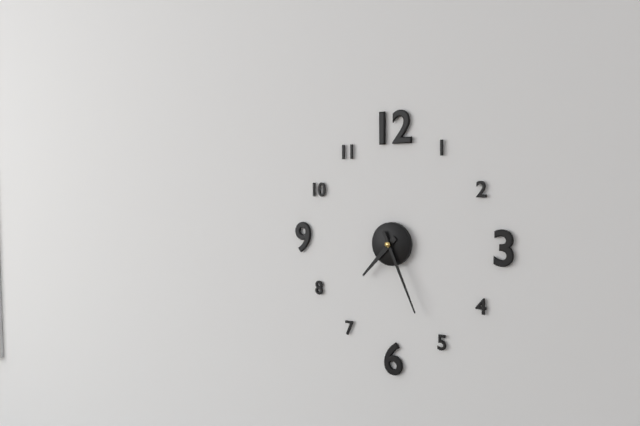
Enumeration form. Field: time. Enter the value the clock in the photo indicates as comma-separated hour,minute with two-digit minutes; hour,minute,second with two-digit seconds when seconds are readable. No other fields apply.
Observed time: 7,26
